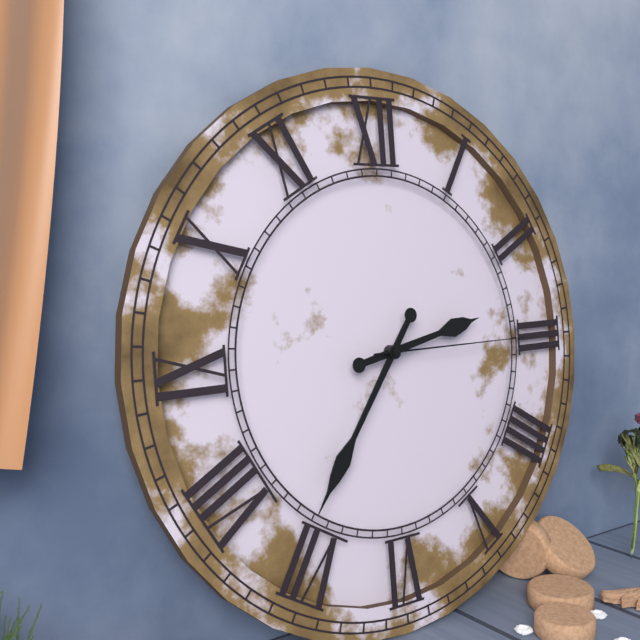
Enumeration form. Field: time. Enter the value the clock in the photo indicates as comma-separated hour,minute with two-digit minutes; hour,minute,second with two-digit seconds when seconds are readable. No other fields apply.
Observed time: 2,36,15
